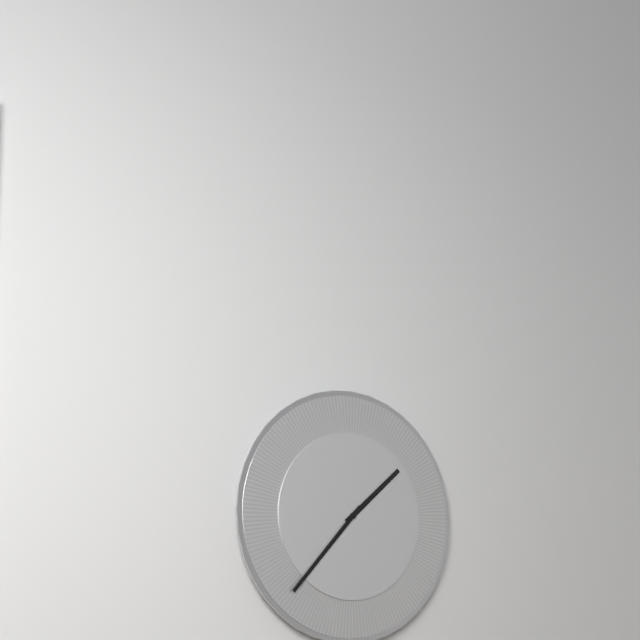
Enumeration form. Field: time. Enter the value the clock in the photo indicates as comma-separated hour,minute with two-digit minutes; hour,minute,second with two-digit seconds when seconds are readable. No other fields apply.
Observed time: 1,37
